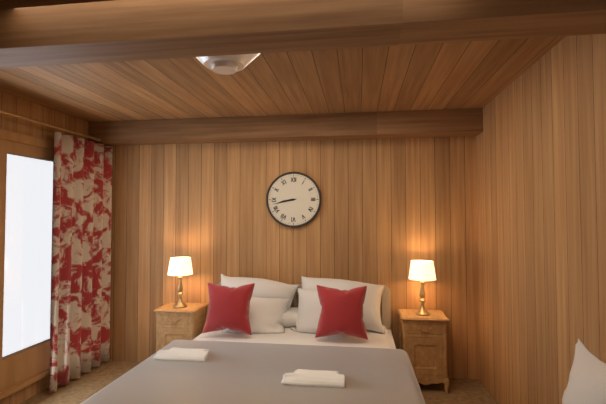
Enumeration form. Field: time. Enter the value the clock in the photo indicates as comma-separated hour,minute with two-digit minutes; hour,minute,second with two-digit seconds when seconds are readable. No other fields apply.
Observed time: 8,43
